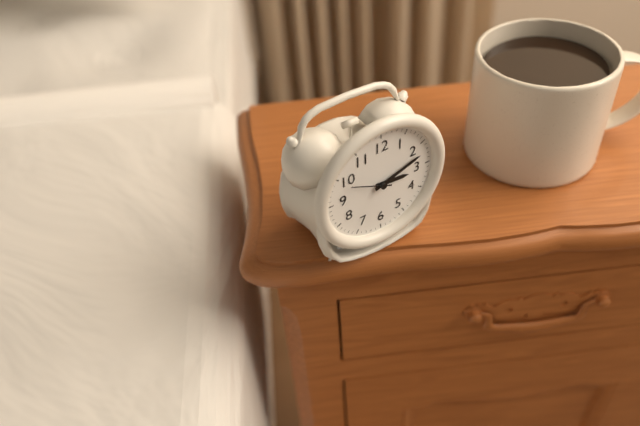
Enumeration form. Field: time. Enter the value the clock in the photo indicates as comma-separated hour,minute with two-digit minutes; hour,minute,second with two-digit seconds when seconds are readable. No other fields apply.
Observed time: 3,12
